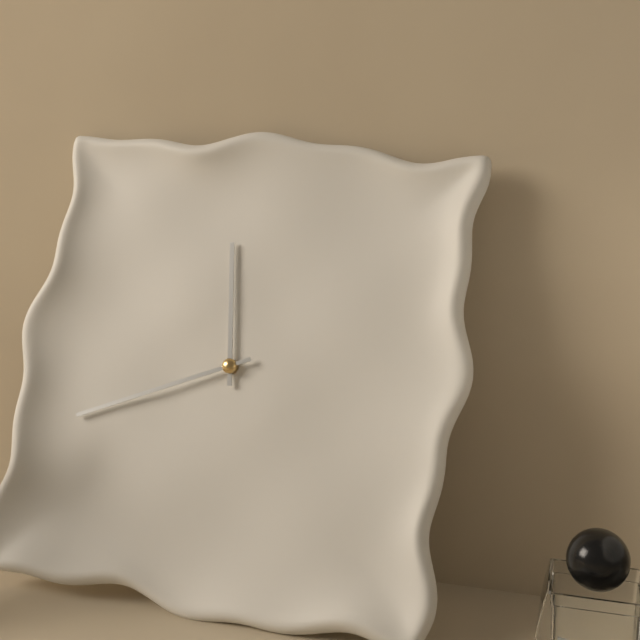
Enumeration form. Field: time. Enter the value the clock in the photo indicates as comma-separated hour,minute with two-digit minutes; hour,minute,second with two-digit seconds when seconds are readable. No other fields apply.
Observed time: 11,41
